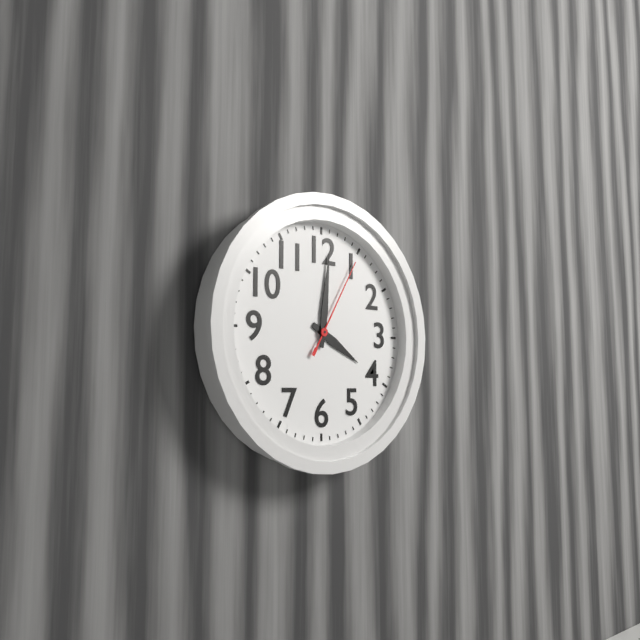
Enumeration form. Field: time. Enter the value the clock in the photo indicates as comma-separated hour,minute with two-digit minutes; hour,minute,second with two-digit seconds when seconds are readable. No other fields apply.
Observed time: 4,01,05
